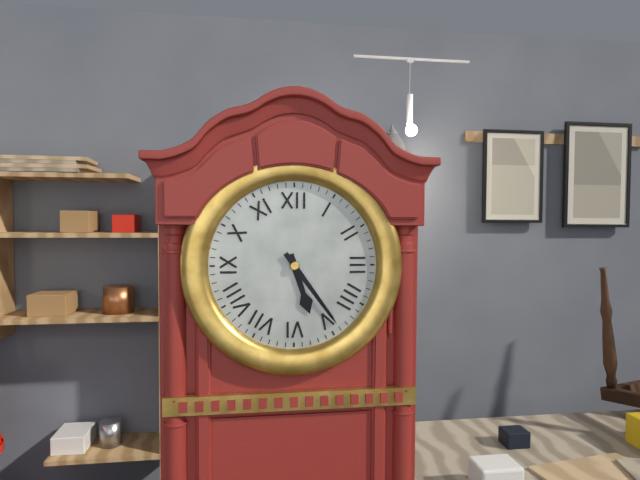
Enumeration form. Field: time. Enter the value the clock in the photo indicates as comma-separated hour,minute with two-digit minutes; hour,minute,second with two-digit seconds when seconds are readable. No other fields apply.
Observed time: 5,24
